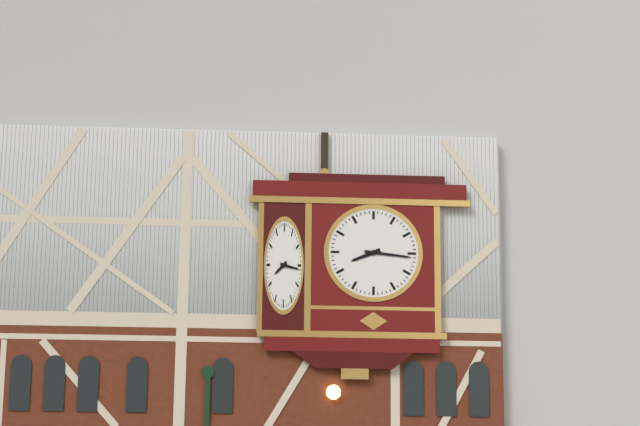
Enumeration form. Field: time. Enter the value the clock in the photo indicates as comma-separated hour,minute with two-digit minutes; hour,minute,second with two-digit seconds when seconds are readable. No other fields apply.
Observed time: 8,16
